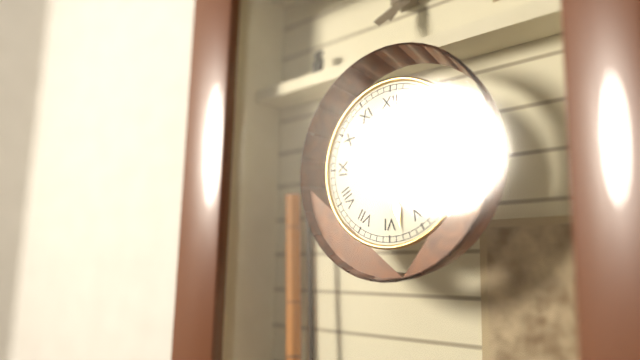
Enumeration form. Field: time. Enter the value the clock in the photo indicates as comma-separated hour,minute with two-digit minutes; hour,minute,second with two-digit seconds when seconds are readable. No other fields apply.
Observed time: 9,28
